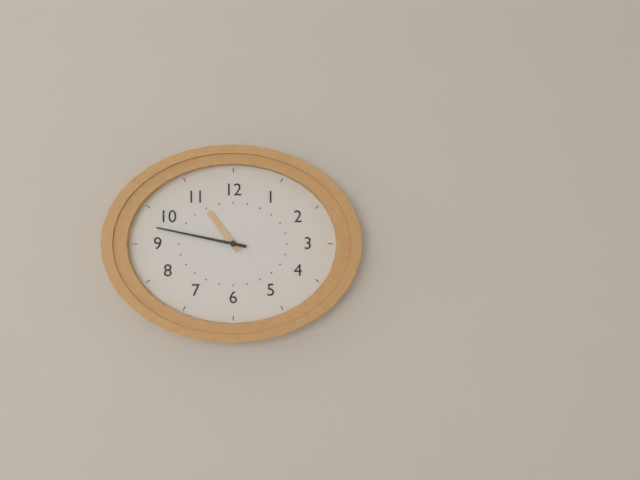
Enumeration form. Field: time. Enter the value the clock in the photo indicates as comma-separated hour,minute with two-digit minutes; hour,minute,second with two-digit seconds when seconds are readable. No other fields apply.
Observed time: 10,47
